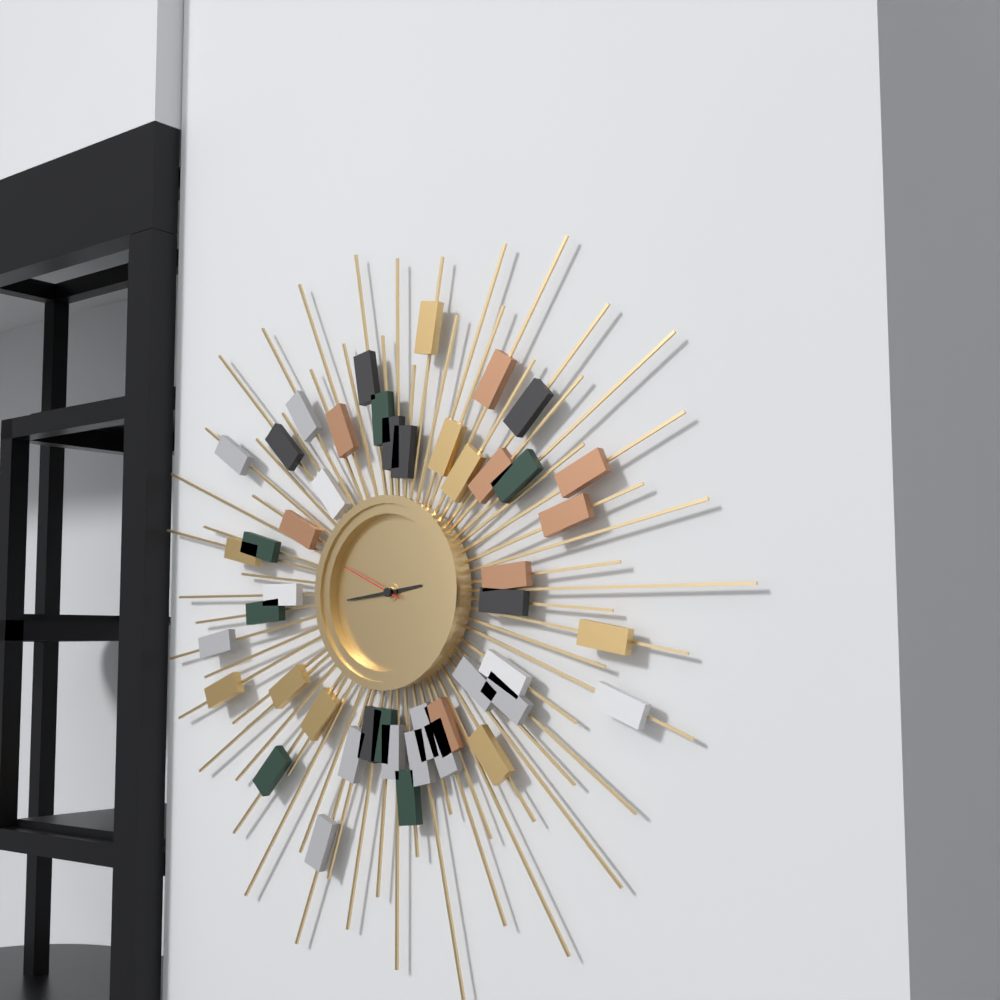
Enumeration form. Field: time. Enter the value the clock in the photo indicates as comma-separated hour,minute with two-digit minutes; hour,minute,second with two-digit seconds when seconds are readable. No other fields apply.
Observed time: 2,44,49
